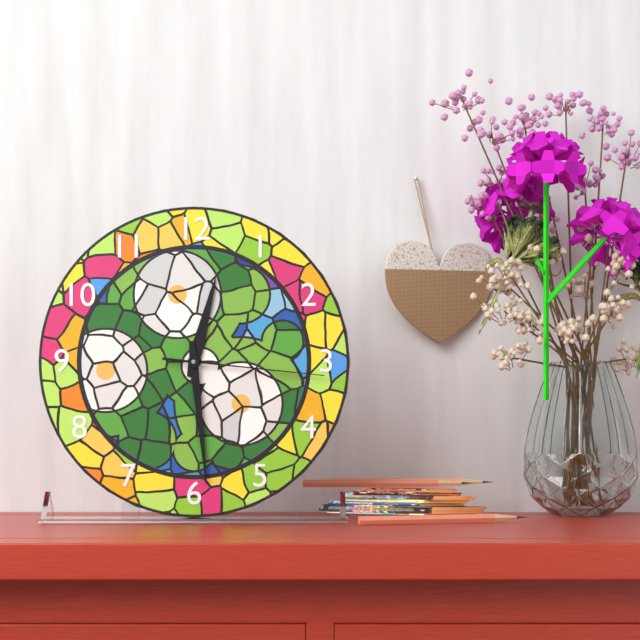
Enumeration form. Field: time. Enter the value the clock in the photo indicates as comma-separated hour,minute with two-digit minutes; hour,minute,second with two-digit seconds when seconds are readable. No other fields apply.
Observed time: 12,29,16
